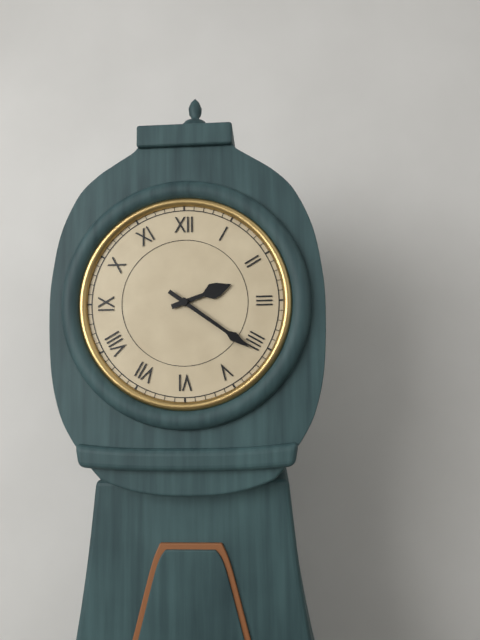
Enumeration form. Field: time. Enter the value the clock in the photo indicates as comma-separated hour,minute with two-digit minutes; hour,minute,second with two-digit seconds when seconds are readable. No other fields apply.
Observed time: 2,21
